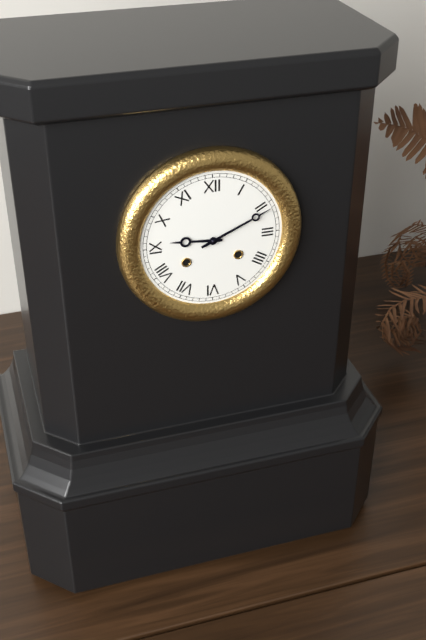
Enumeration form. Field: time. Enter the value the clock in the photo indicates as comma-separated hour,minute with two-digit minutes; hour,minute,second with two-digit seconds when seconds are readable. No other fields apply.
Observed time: 9,11
